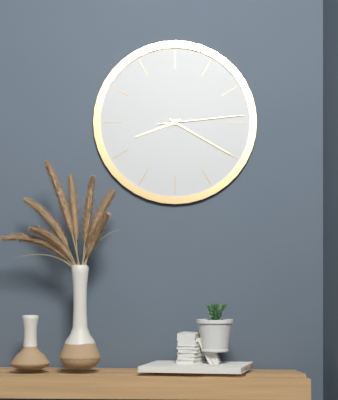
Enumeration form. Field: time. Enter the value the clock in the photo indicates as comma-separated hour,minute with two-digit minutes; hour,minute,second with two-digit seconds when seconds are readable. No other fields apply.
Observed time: 8,20,14
